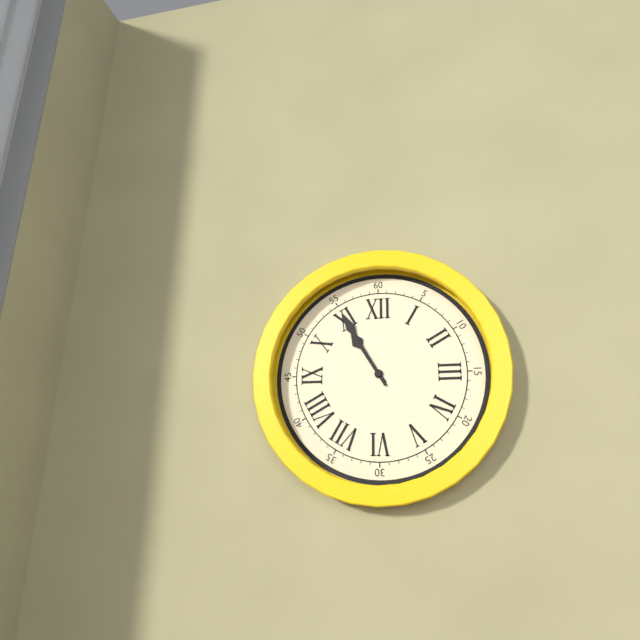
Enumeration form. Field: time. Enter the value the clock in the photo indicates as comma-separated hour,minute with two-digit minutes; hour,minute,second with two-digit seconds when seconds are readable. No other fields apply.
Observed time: 10,55
